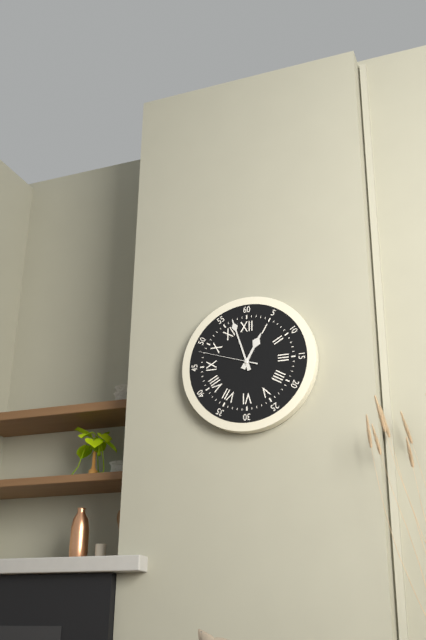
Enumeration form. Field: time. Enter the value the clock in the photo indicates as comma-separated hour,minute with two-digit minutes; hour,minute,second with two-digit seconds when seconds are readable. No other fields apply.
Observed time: 12,57,48
